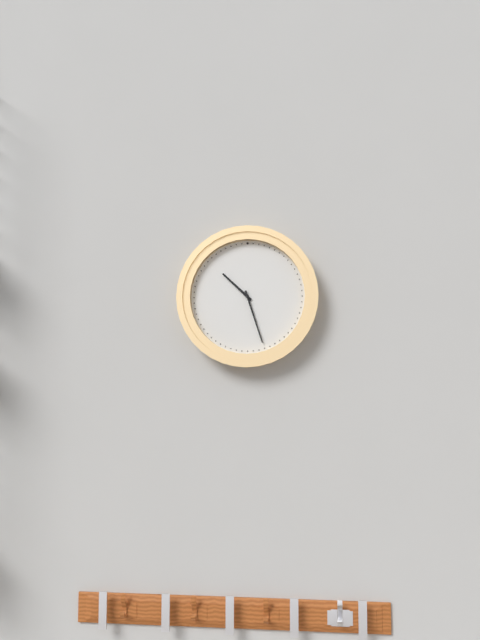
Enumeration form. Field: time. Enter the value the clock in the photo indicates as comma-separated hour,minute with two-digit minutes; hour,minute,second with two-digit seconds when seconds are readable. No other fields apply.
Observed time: 10,27
